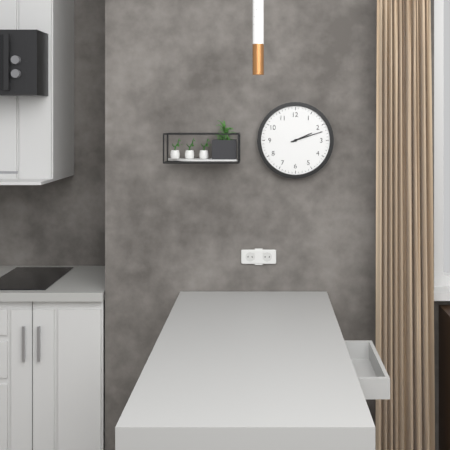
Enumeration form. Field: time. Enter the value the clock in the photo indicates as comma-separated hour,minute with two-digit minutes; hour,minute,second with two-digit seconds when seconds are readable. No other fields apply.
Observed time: 2,12
